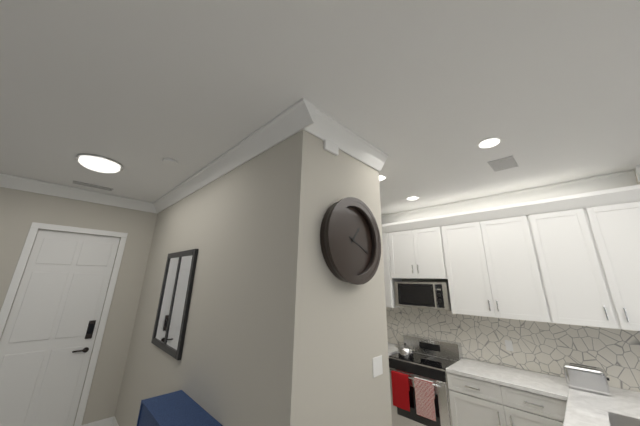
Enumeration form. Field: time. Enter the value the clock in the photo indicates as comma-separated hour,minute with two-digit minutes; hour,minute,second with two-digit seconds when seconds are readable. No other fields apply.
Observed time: 1,19
